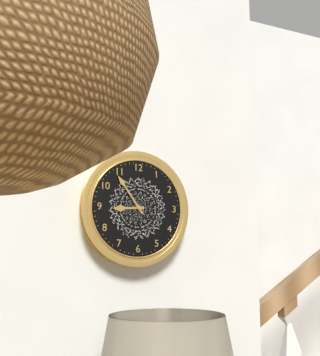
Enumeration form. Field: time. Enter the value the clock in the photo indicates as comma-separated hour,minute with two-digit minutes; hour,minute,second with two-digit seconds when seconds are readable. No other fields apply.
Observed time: 8,54
